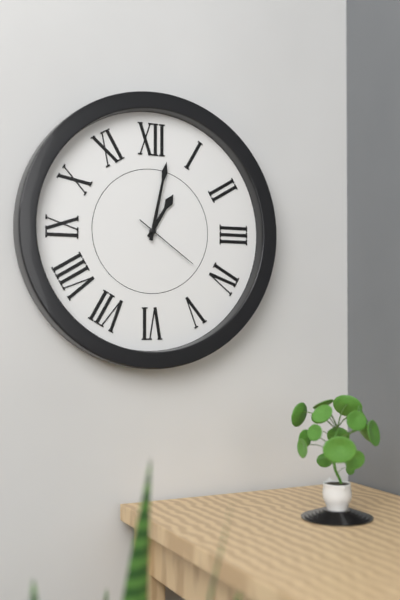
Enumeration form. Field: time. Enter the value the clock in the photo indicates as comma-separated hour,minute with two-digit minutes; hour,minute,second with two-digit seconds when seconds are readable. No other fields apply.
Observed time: 1,02,21
